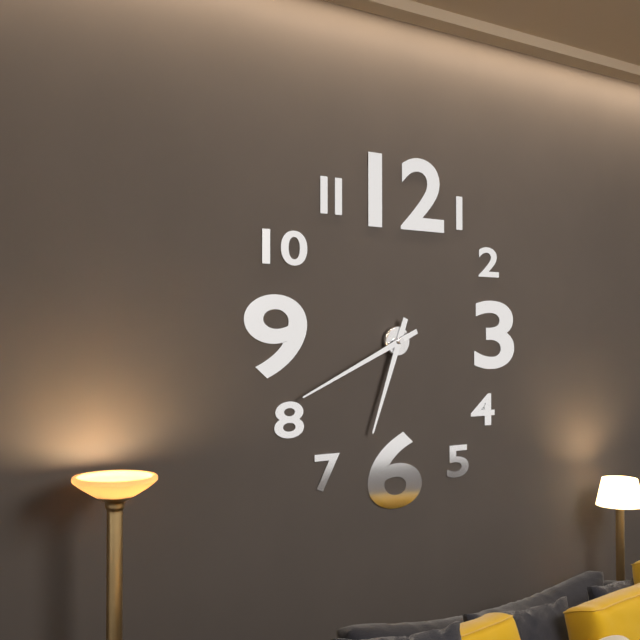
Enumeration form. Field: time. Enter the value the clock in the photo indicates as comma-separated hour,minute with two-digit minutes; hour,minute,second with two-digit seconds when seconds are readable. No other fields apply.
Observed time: 6,41
